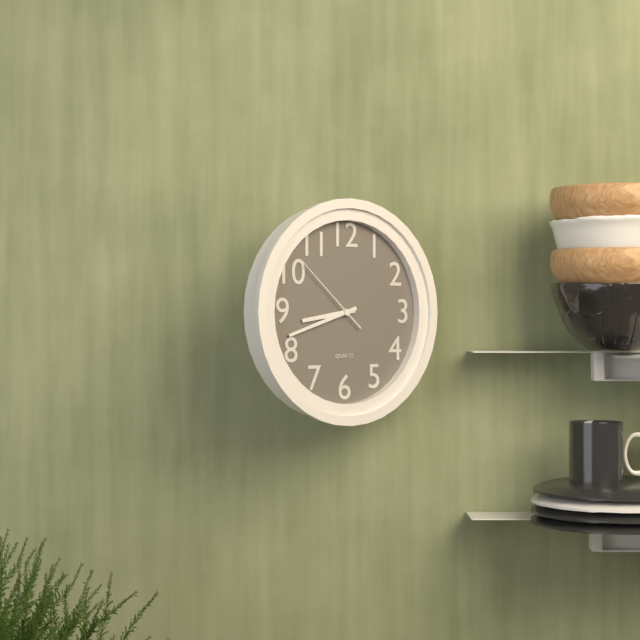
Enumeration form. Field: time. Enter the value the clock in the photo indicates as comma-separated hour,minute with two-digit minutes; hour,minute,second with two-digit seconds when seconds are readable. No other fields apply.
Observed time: 8,42,52
